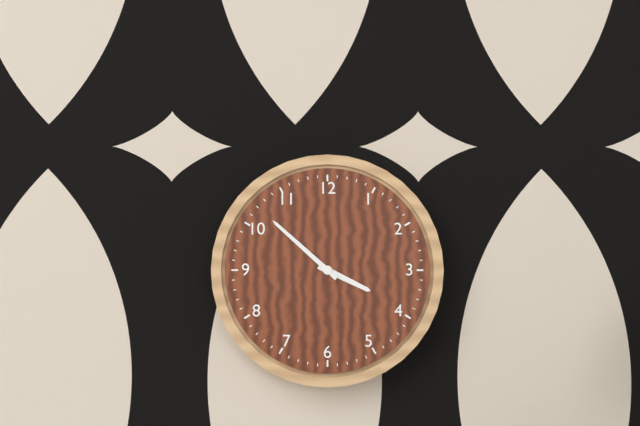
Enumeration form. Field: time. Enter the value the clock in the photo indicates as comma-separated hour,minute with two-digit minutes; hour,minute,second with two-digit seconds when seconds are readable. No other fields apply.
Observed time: 3,52
